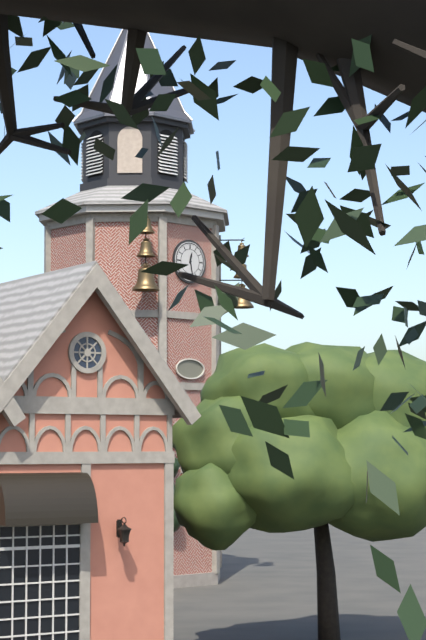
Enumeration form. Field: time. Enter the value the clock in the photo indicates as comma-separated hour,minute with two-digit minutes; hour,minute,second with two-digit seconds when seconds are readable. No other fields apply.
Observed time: 12,28
